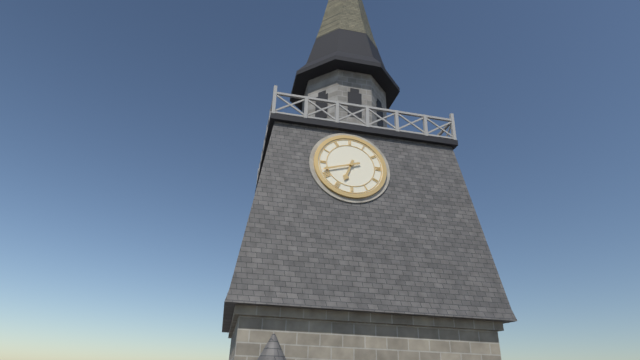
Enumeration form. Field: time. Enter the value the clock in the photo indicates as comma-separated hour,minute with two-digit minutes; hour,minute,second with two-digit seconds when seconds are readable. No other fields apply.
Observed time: 6,42
